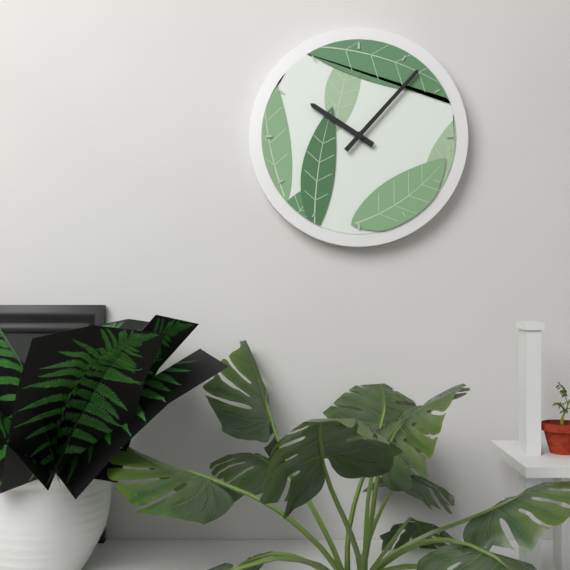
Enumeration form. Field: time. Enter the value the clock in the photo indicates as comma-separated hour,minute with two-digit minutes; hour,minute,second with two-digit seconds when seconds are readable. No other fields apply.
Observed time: 10,07
